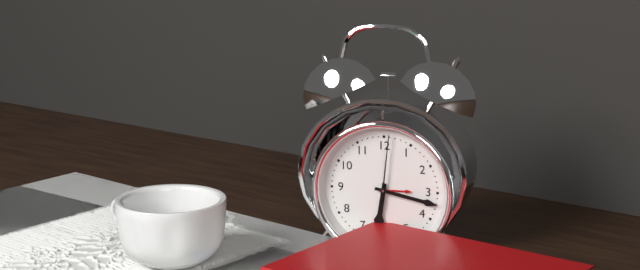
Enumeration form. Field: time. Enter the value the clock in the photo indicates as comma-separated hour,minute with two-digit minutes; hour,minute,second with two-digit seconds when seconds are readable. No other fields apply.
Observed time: 6,17,01
